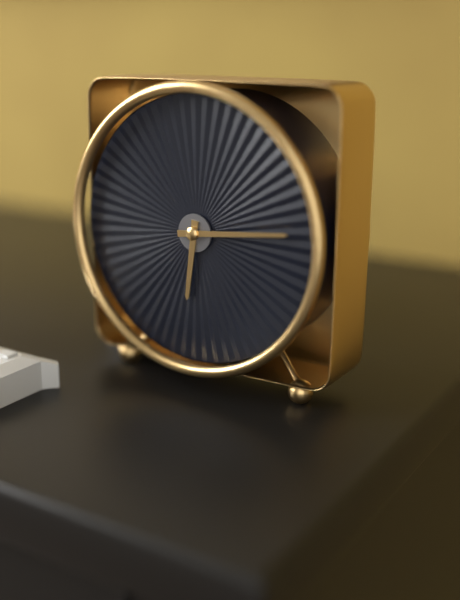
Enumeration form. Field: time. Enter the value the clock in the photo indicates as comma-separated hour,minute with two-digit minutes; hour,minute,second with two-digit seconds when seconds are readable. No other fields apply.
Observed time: 6,14
